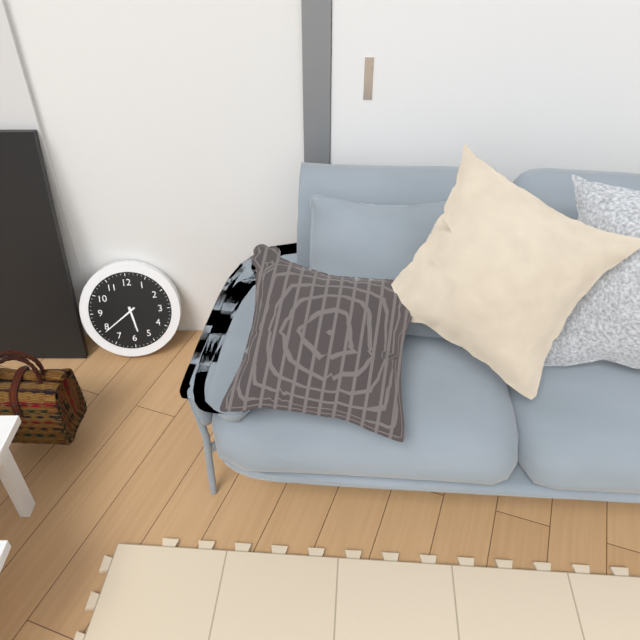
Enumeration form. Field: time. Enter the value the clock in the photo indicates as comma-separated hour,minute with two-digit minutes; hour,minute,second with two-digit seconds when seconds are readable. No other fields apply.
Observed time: 5,39
